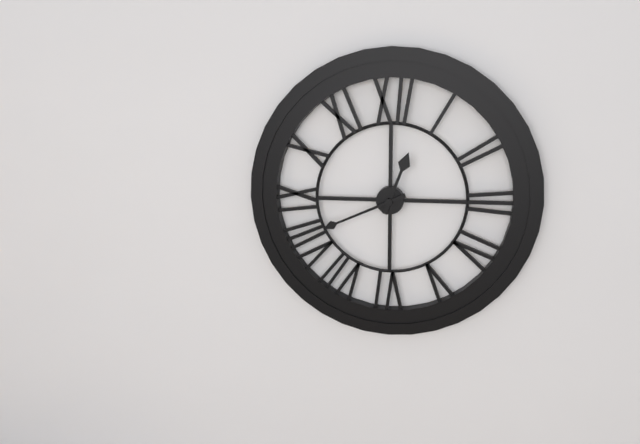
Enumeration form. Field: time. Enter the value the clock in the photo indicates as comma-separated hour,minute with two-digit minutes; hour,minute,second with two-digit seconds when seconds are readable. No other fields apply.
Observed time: 12,41
